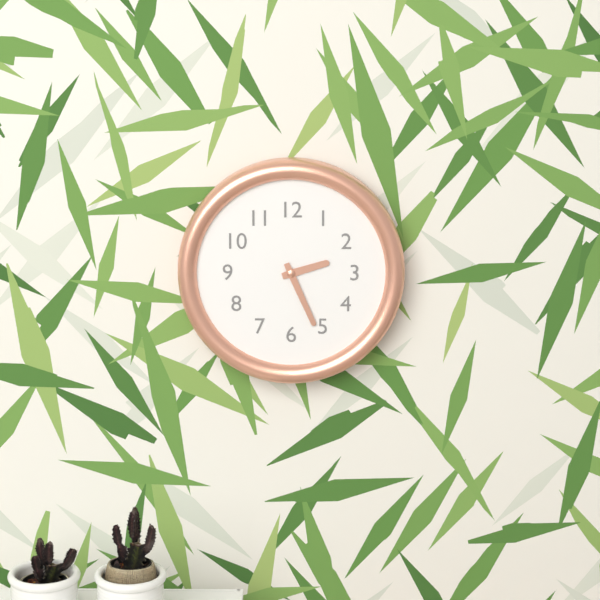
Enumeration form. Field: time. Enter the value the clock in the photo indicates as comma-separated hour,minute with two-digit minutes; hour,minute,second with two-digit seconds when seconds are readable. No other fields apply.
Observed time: 2,26
